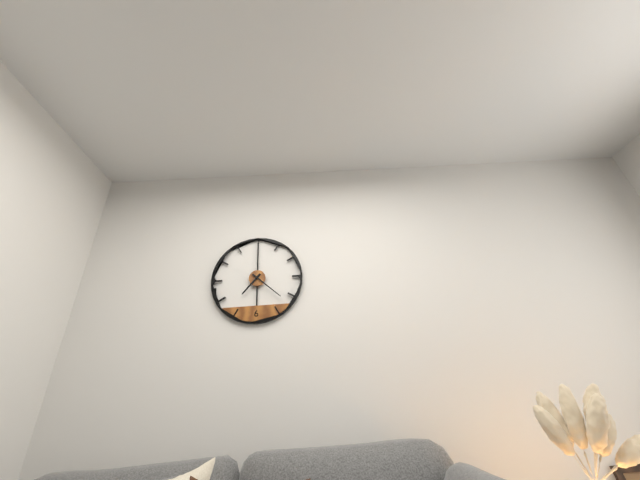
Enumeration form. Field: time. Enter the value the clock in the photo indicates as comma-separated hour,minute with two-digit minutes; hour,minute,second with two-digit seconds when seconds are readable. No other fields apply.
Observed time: 7,22
